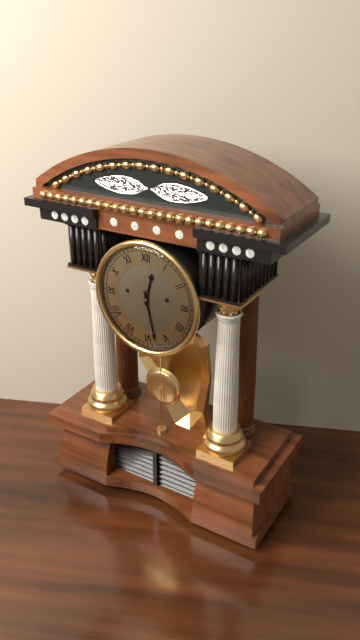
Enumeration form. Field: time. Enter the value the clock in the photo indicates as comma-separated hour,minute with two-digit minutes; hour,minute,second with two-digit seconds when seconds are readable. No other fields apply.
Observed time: 12,28
